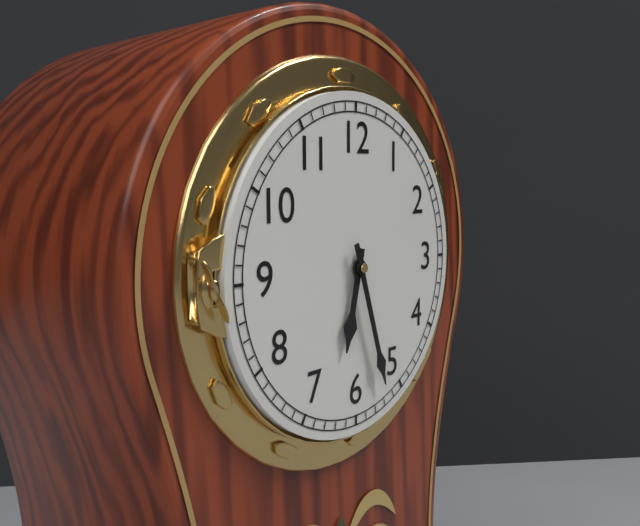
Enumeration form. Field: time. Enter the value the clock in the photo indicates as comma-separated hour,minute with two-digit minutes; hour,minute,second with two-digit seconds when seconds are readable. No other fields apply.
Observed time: 6,27
